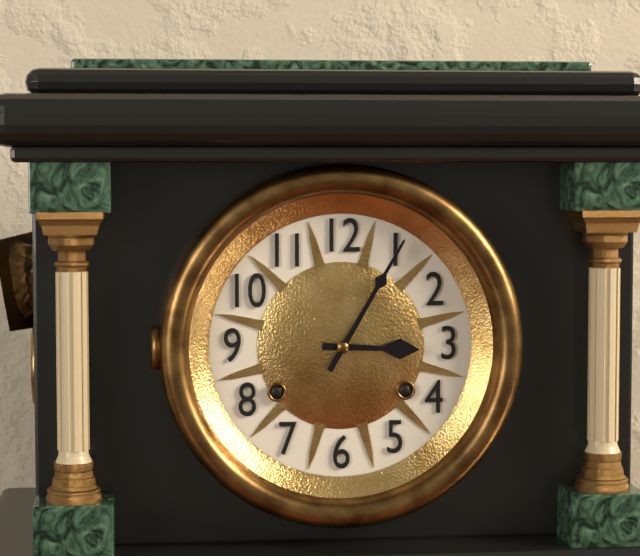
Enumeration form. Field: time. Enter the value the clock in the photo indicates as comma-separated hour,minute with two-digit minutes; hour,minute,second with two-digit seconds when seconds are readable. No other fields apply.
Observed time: 3,05
